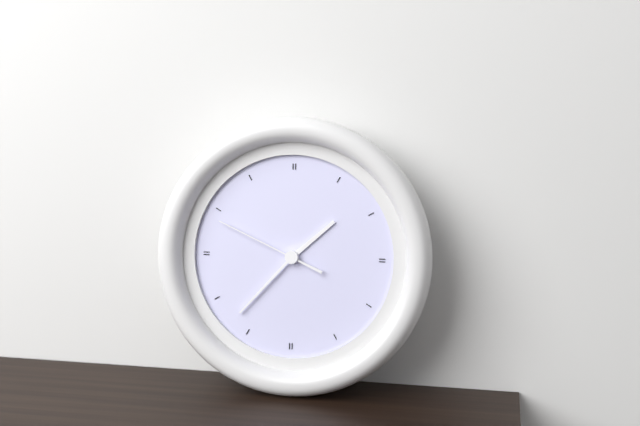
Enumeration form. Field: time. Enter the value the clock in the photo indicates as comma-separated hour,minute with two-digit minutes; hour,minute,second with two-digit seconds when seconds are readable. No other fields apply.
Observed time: 1,37,49
